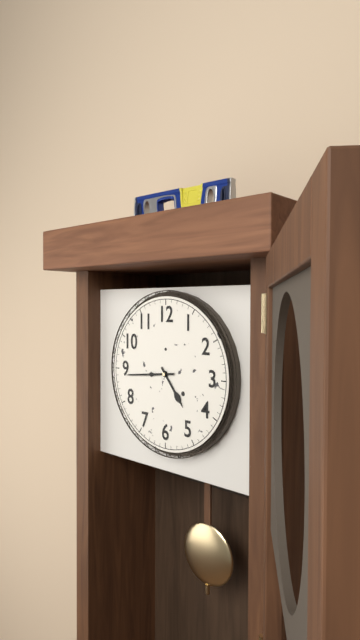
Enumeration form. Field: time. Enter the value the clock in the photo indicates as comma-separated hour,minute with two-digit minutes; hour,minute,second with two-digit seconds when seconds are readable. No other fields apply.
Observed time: 4,44
